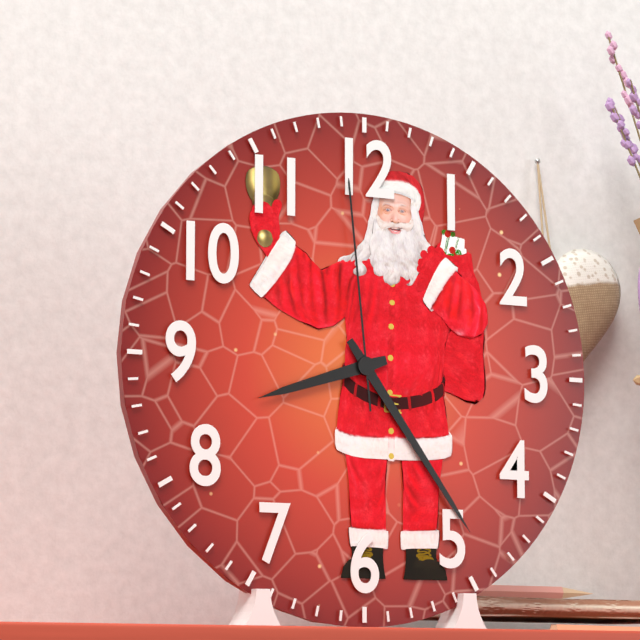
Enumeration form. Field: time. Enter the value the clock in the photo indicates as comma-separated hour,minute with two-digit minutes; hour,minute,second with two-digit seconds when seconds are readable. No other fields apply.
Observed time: 8,24,59
